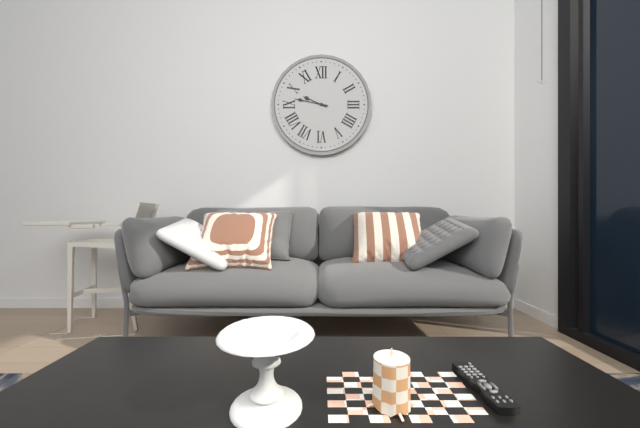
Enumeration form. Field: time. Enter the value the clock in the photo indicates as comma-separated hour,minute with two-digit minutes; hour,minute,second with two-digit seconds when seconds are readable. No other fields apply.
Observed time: 9,47
